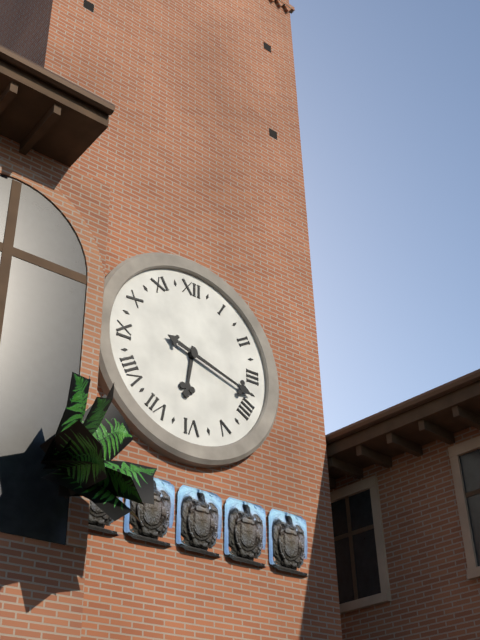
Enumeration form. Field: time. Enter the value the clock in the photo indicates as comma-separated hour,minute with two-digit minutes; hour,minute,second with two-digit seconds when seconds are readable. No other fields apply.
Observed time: 6,18
